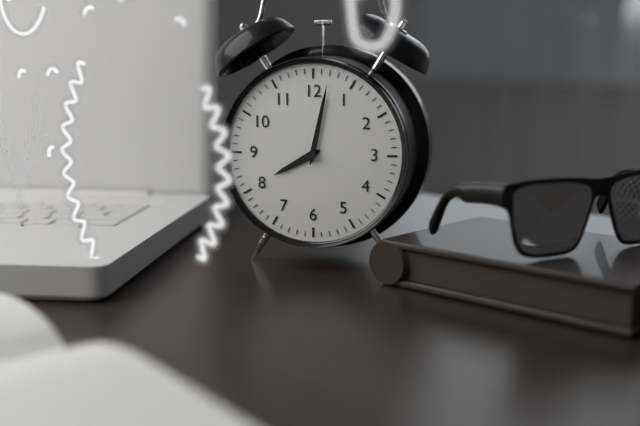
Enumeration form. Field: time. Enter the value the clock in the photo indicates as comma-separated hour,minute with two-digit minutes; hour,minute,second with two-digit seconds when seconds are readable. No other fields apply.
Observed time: 8,02
